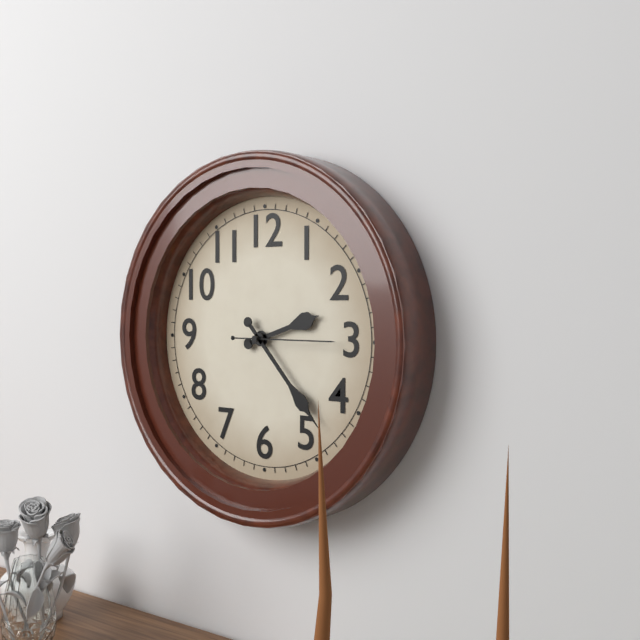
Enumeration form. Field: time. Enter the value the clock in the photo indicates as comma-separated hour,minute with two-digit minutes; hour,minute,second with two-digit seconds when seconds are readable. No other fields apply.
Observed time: 2,23,15
